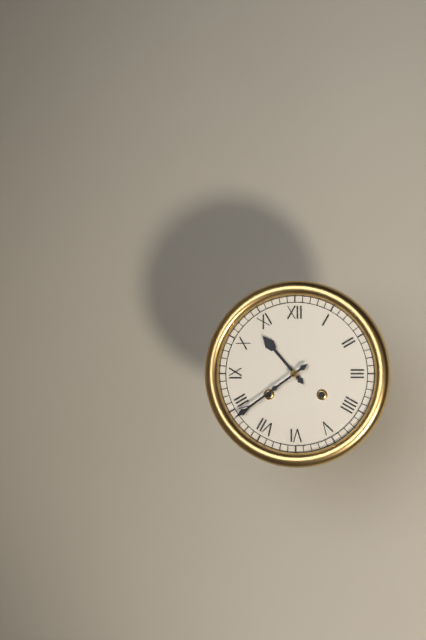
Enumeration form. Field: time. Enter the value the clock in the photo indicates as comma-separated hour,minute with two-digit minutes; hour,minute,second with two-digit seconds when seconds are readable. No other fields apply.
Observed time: 10,39
